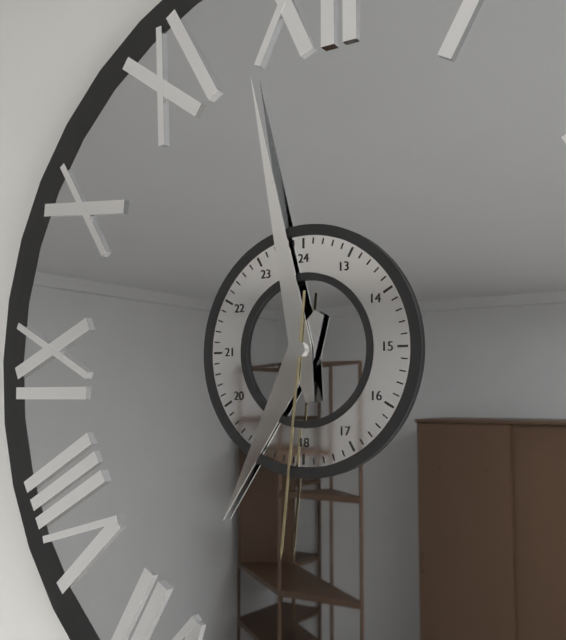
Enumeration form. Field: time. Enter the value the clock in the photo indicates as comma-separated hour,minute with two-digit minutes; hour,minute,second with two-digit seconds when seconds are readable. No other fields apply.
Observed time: 6,58,31
